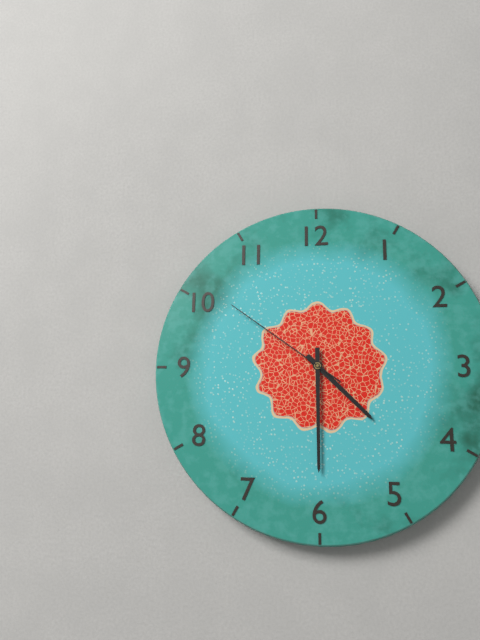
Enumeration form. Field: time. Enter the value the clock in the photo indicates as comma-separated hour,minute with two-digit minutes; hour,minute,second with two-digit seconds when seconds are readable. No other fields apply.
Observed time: 4,30,51
